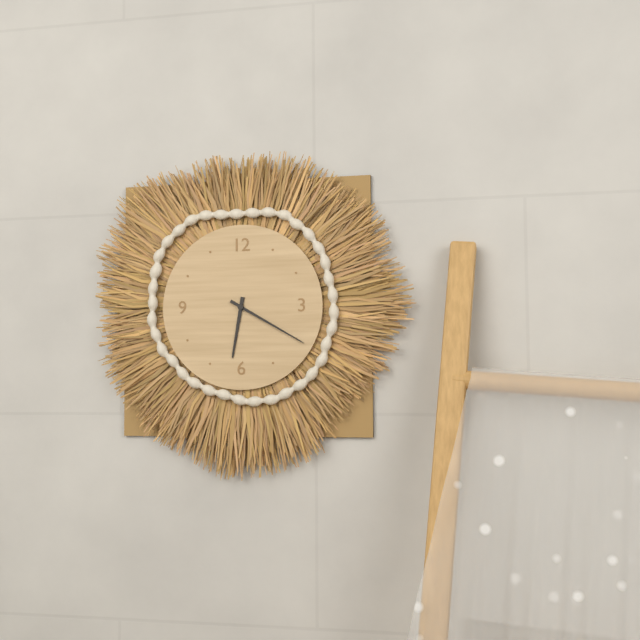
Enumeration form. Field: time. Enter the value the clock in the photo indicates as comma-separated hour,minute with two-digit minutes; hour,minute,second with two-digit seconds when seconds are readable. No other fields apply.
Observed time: 6,20
